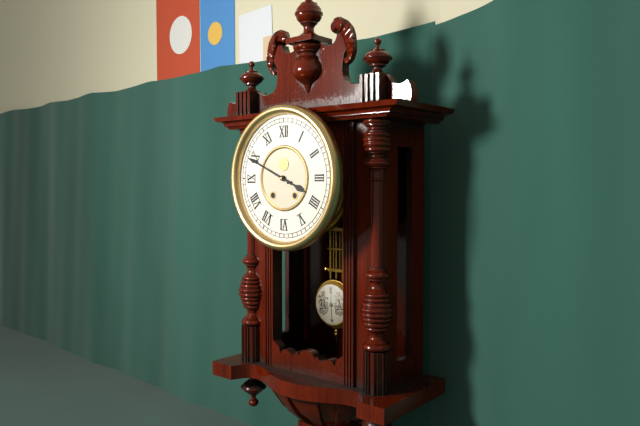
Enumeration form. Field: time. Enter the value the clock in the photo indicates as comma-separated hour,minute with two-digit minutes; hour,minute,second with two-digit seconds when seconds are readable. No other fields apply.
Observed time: 3,49
